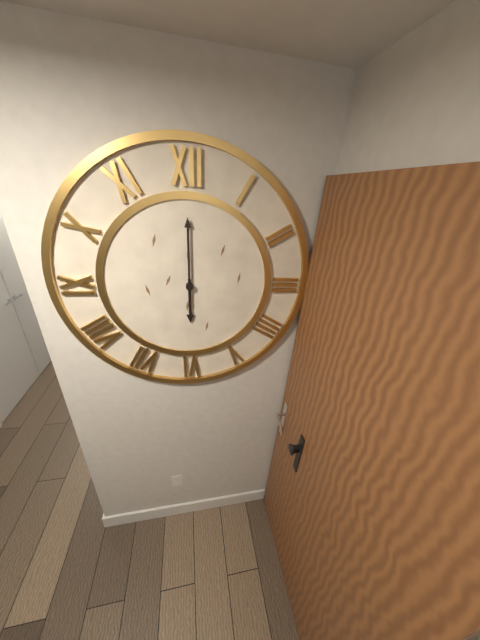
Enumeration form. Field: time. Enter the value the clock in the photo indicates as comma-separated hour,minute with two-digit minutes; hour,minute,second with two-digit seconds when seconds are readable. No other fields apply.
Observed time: 6,00
